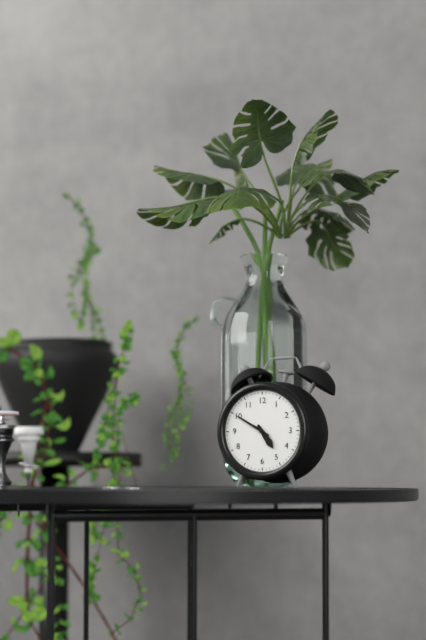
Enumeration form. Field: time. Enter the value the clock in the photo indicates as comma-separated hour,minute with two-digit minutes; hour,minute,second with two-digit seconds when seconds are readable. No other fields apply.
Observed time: 4,50
